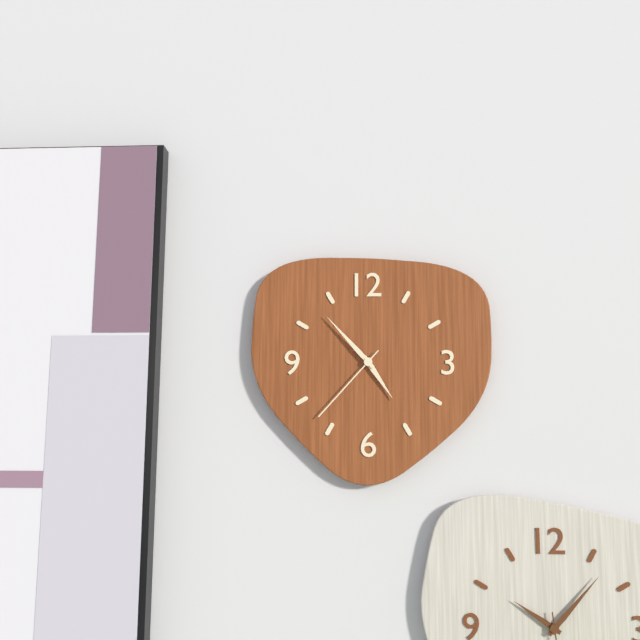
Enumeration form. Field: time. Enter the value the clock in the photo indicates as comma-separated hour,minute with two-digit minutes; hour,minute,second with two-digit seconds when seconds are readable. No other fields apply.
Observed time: 4,53,37
